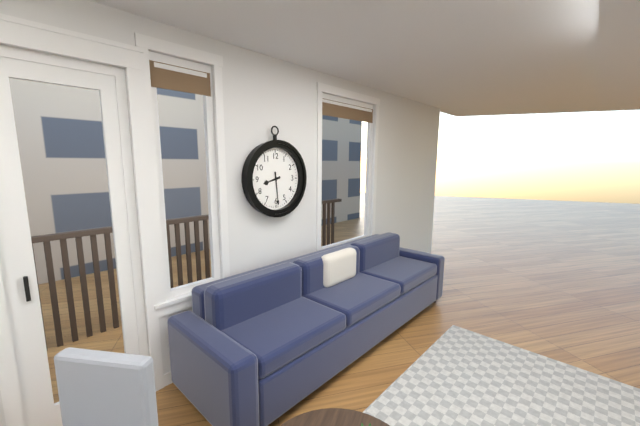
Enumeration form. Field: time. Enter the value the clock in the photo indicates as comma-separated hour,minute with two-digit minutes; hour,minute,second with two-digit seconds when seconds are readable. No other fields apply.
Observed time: 8,29
